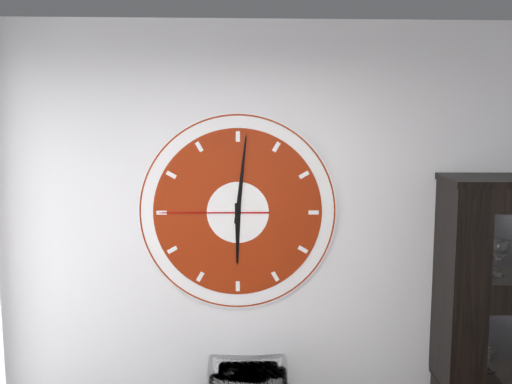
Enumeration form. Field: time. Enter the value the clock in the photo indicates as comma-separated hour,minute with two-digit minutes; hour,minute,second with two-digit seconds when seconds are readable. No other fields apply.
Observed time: 6,01,45
